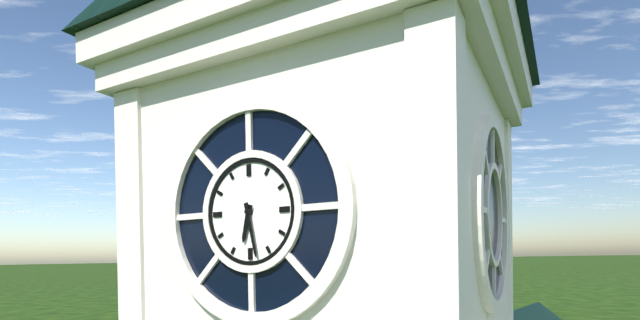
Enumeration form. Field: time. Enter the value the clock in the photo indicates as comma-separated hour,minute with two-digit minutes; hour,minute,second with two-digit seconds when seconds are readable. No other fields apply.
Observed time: 6,28
